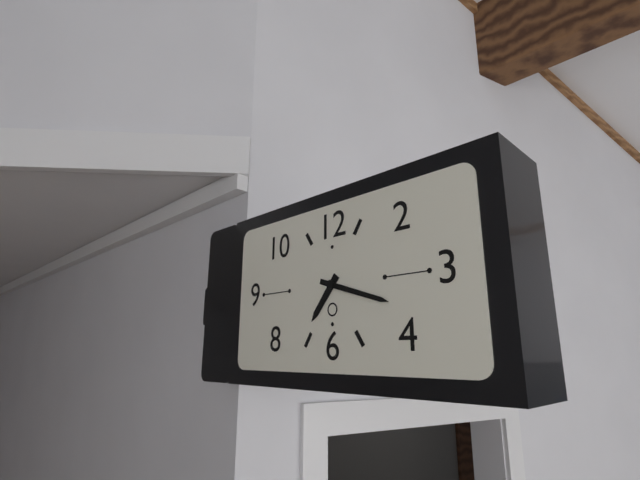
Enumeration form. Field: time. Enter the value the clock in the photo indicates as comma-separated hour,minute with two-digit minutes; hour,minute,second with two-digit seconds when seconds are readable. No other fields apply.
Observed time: 7,18
